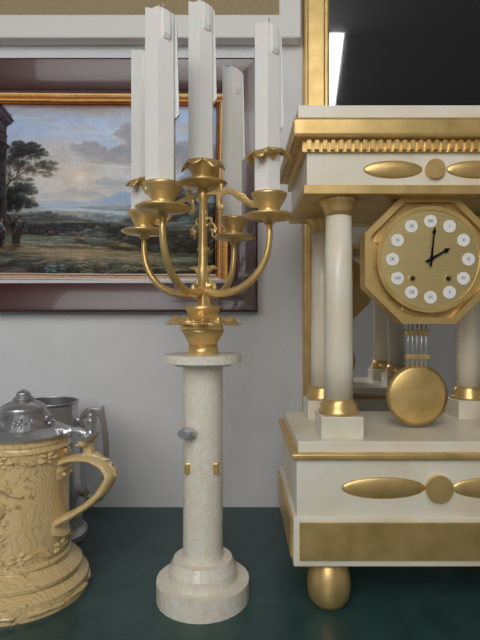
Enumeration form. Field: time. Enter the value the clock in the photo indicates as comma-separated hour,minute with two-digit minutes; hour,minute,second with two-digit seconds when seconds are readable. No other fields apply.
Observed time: 2,01
